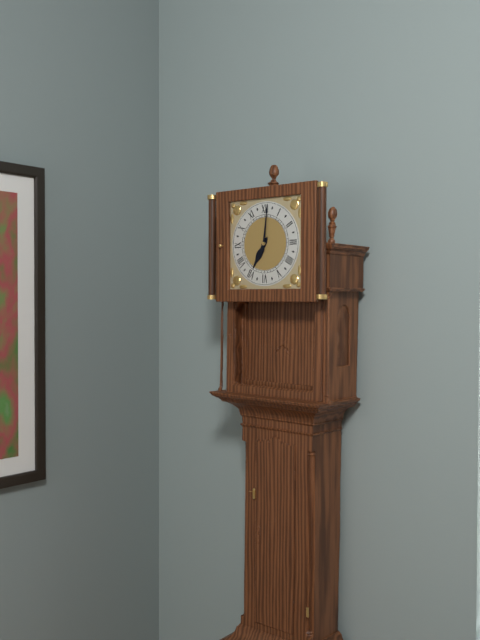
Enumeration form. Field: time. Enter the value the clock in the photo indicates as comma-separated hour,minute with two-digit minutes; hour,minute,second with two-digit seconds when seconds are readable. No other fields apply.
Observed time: 7,01
